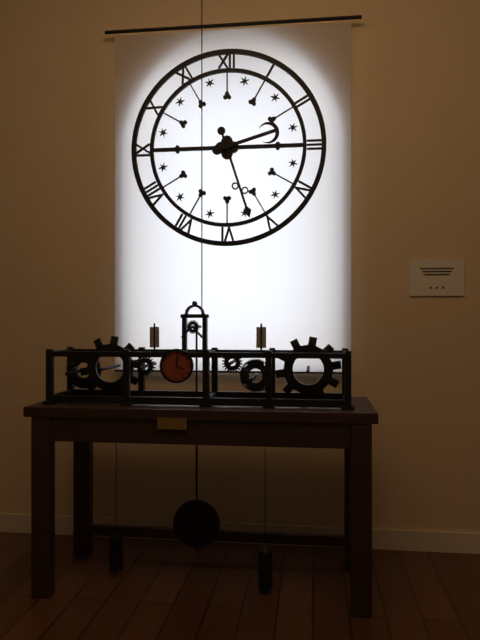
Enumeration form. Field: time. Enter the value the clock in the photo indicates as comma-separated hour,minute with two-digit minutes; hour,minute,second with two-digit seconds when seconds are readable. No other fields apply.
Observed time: 2,27
